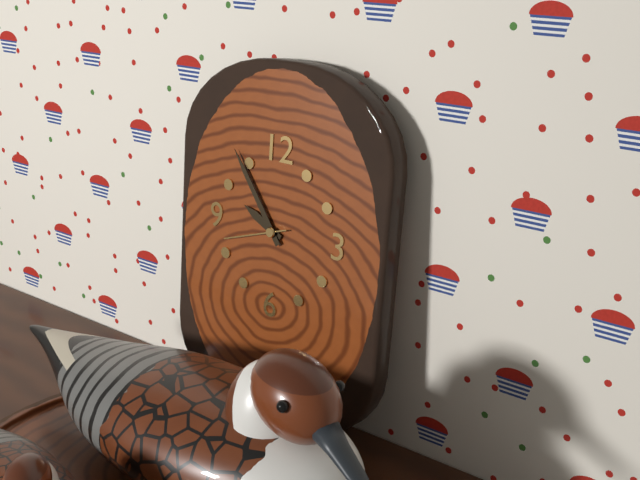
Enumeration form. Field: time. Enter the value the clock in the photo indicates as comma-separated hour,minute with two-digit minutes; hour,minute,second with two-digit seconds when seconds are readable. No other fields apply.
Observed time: 9,54,42
